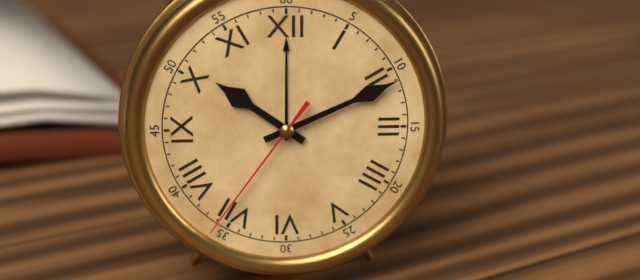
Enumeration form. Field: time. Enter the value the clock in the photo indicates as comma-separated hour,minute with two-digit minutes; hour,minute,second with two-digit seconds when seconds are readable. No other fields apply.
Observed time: 10,11,36
